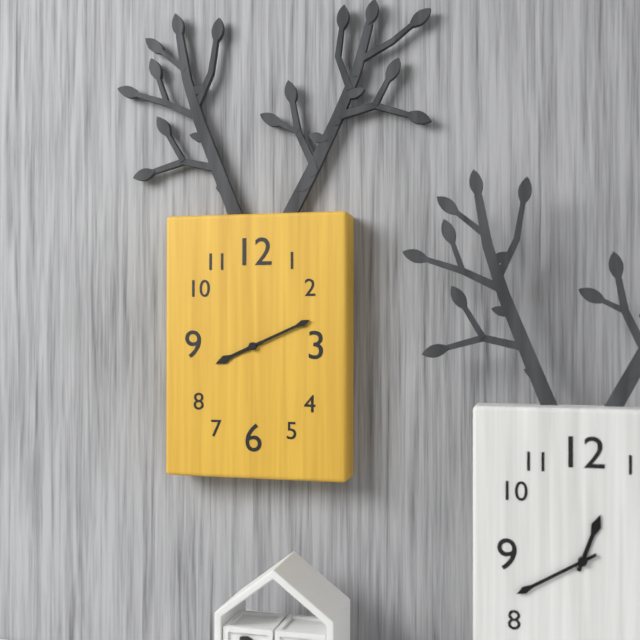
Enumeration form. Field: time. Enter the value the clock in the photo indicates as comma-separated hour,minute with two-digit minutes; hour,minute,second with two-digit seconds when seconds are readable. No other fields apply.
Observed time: 8,11
